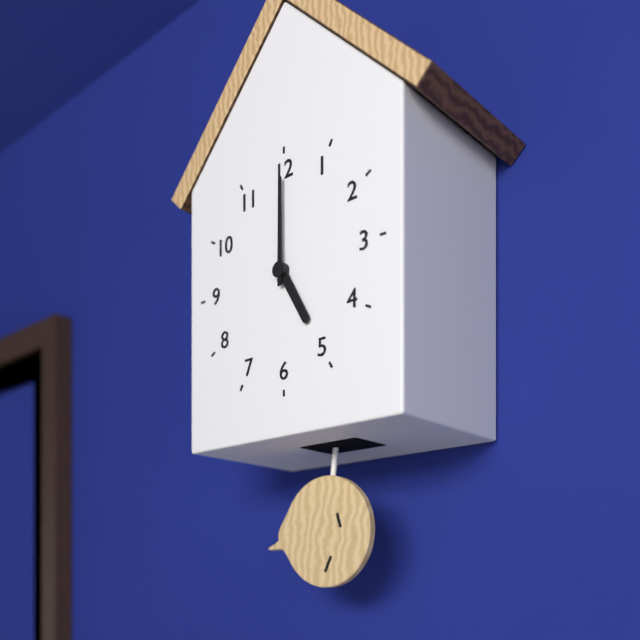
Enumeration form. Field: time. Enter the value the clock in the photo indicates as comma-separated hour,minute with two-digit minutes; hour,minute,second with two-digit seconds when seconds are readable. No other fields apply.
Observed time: 5,00
